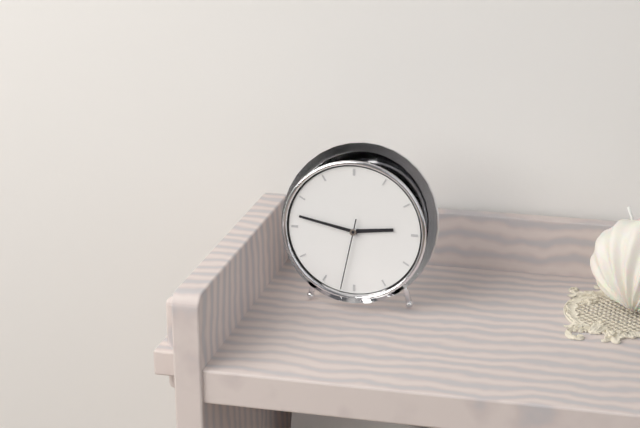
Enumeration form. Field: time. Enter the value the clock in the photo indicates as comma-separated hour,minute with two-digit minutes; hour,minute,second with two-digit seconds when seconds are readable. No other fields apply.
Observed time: 2,47,32
